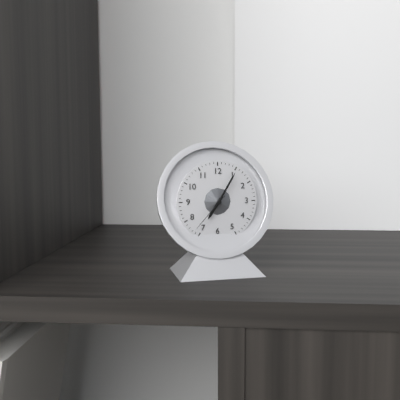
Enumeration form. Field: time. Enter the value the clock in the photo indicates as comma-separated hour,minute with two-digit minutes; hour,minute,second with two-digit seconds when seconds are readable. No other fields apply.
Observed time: 7,05
